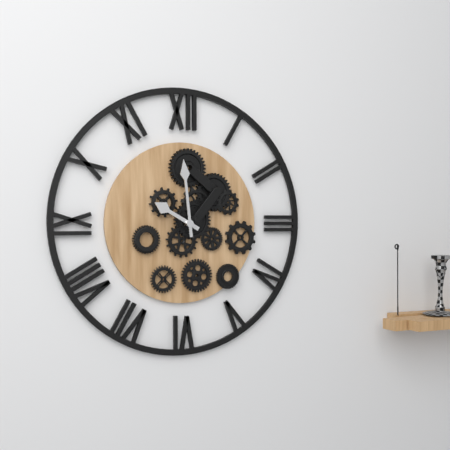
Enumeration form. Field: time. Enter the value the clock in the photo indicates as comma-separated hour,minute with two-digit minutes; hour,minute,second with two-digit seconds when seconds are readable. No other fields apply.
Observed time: 9,59
